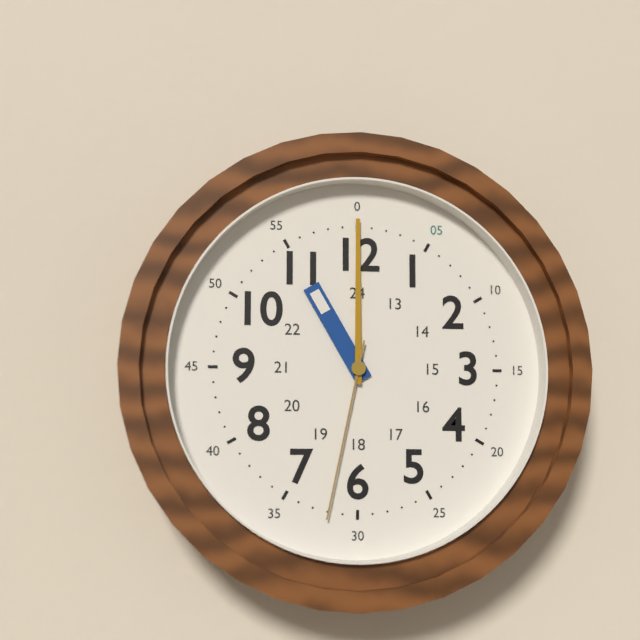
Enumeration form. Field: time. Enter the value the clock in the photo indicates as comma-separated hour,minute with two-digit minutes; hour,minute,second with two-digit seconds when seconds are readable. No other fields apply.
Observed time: 11,00,32
